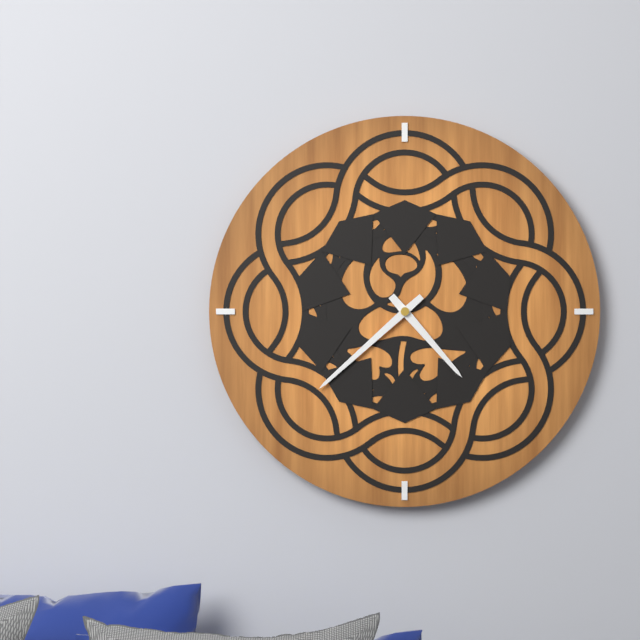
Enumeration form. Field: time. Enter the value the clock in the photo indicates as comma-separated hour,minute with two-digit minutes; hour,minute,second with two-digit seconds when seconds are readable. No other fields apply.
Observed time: 4,38
